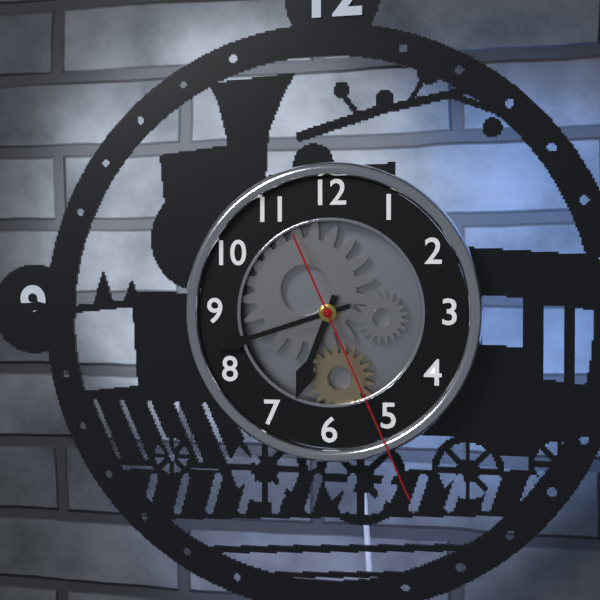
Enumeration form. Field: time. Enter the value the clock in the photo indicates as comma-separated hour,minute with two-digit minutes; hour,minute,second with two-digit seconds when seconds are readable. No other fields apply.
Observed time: 6,42,26
